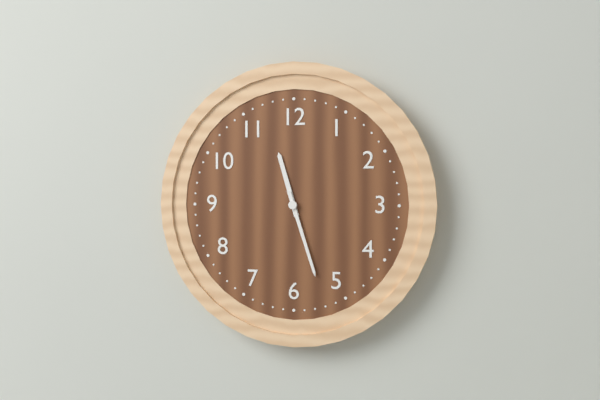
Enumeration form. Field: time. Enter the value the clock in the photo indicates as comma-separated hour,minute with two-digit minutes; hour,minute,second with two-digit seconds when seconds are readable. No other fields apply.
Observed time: 11,27
